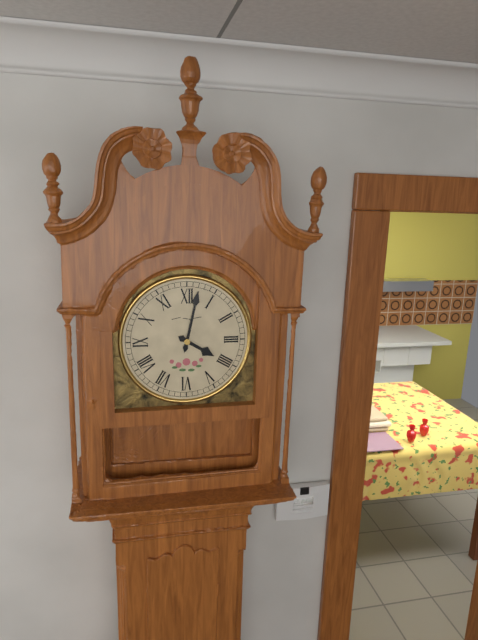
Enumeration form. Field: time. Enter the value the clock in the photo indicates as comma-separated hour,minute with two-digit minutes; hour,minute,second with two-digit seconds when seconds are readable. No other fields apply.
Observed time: 4,02
